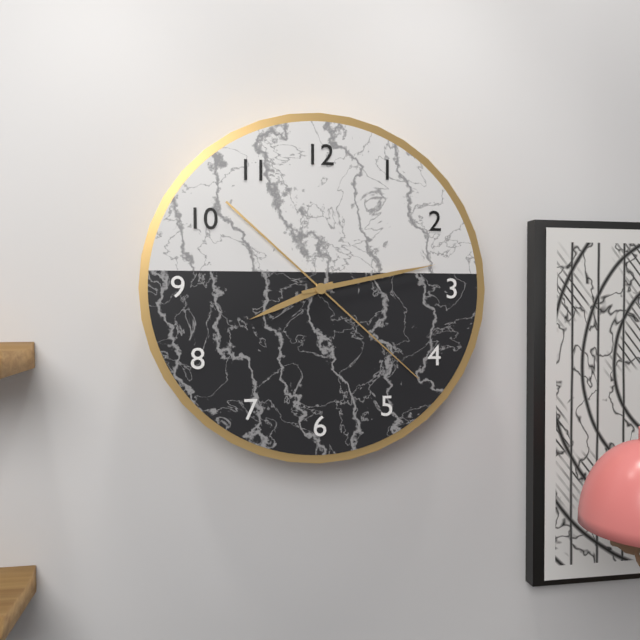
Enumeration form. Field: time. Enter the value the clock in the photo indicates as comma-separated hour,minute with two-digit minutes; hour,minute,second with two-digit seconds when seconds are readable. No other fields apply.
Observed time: 8,13,22
